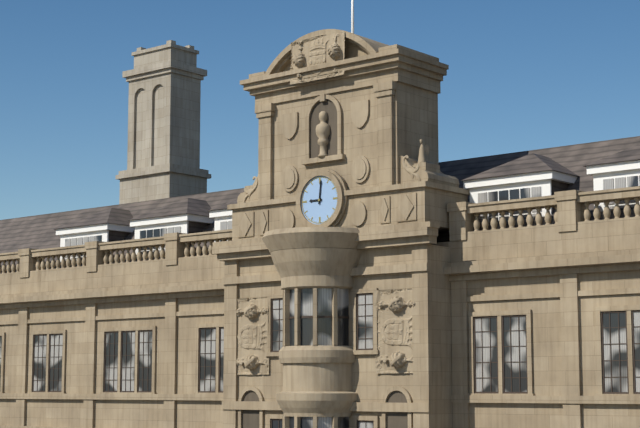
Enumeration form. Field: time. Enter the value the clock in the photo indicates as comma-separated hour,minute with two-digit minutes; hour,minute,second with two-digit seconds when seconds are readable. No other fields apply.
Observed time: 9,01
